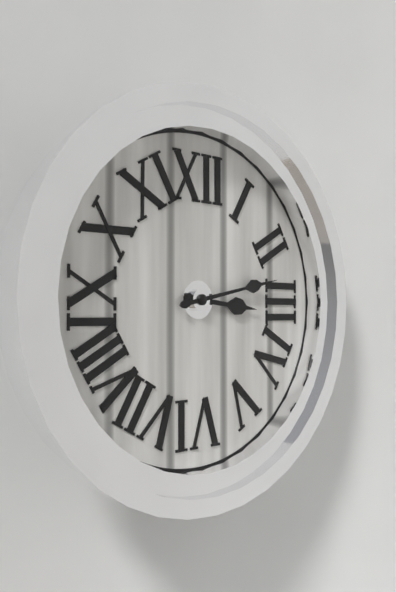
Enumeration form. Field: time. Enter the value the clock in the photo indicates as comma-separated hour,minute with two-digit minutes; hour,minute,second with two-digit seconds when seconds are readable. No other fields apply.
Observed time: 3,13
